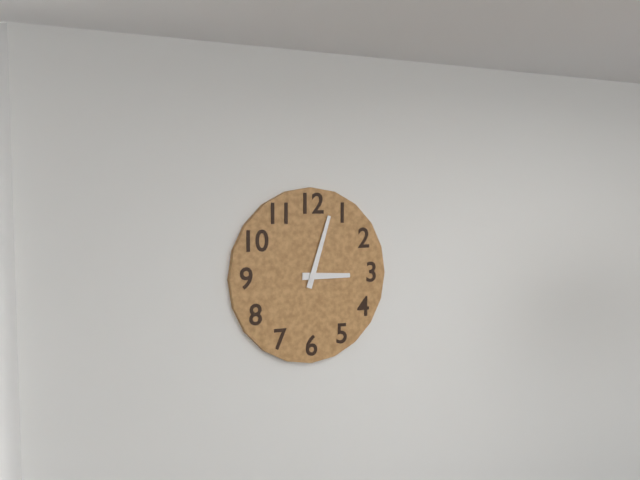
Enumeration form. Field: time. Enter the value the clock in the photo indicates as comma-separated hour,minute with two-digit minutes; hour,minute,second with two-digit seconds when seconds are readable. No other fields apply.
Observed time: 3,03
